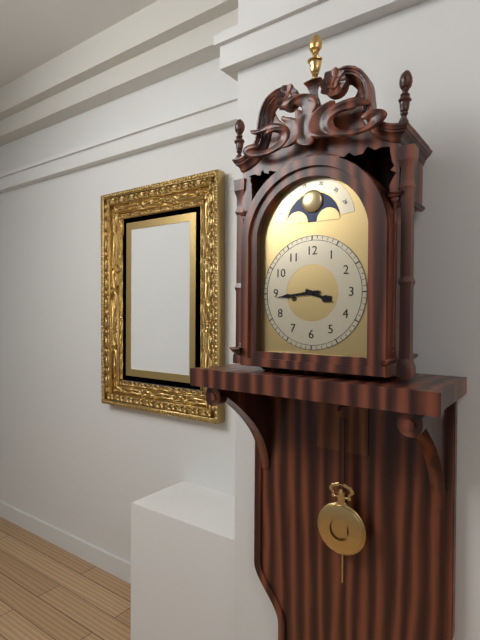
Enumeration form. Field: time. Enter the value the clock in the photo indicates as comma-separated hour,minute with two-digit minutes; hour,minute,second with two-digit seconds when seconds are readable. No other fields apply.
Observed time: 3,44
